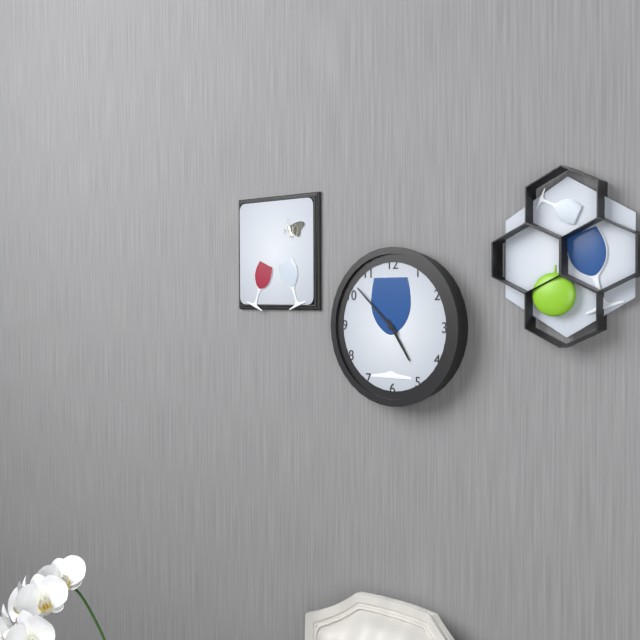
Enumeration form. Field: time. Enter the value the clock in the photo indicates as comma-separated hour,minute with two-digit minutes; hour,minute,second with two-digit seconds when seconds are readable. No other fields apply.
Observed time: 4,52
